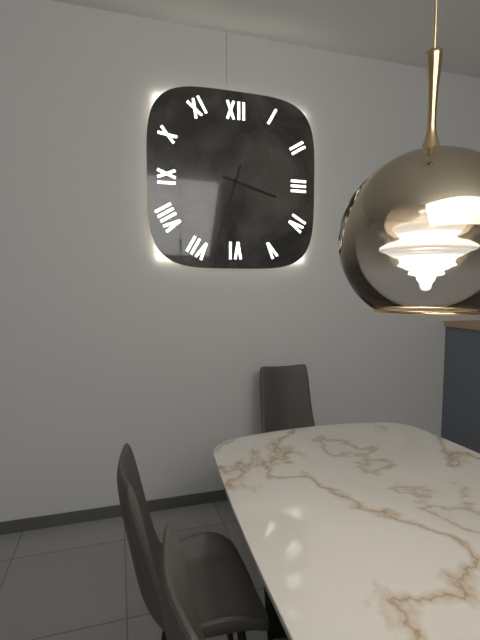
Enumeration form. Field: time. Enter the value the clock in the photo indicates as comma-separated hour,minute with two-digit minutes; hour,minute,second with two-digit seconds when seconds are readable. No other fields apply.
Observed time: 3,33
